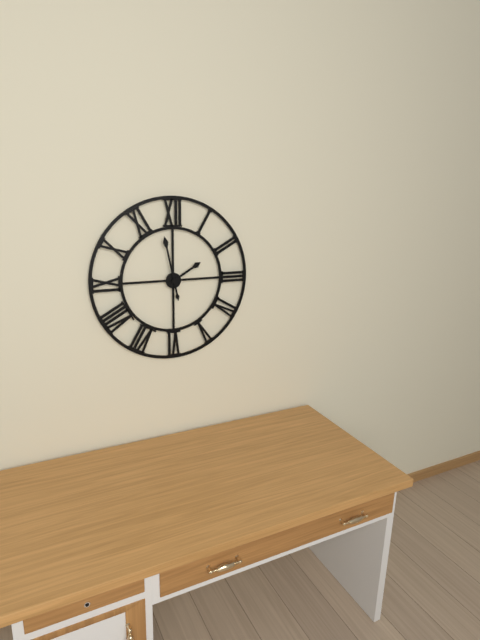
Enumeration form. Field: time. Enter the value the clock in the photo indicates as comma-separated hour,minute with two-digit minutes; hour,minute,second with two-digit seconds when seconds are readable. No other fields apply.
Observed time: 1,58
